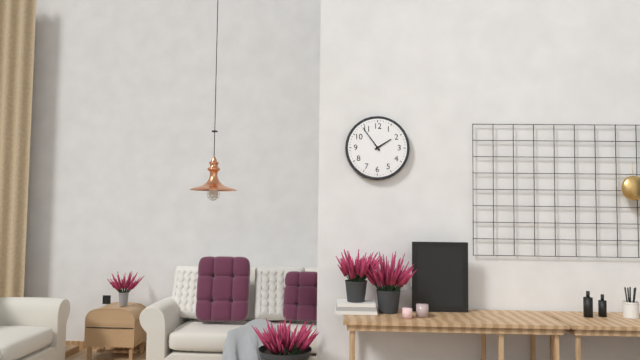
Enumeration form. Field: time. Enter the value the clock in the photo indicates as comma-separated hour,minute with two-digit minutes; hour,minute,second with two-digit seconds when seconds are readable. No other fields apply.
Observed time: 1,54
